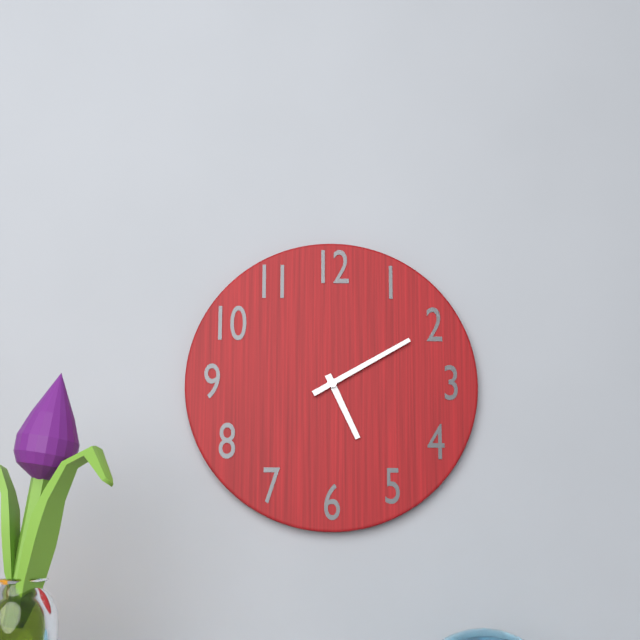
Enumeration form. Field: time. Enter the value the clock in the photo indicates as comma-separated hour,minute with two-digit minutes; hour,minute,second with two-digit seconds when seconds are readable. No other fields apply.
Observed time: 5,10
